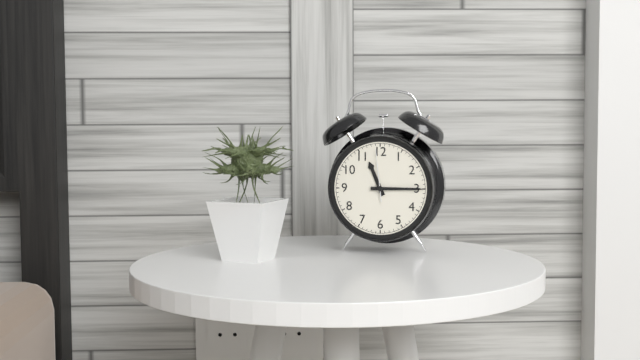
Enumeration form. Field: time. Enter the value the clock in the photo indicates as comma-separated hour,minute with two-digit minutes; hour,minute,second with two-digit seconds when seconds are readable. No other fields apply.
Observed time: 11,15
